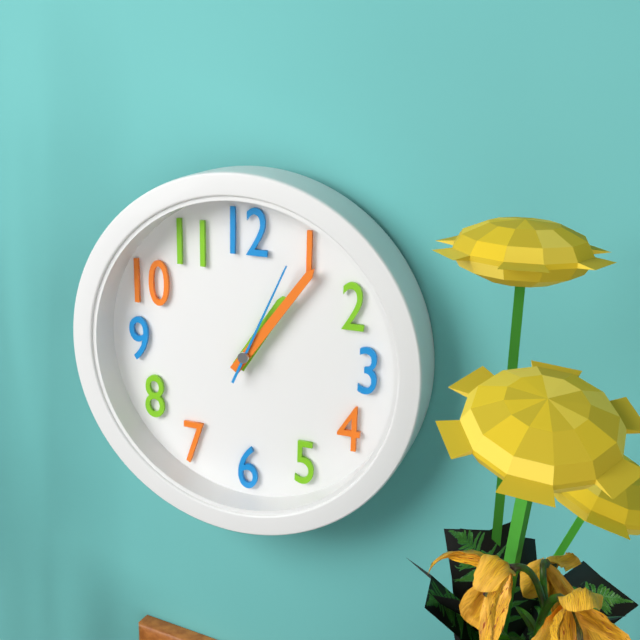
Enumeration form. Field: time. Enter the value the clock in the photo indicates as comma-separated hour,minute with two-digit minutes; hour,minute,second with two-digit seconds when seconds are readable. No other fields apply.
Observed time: 1,06,04
